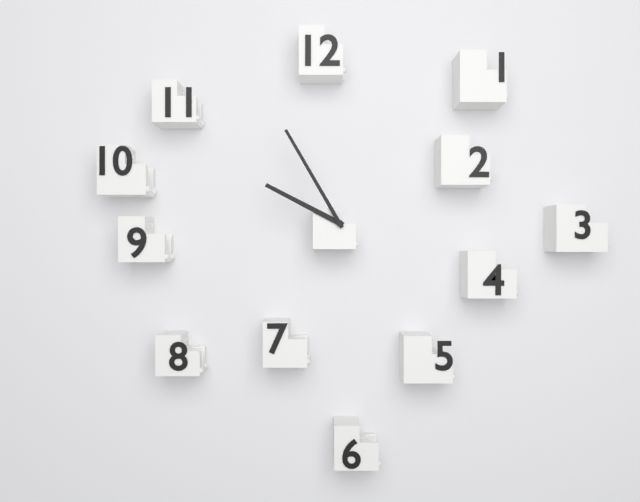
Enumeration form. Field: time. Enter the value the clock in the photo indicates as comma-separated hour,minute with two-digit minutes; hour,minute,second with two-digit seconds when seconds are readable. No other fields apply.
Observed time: 9,55
